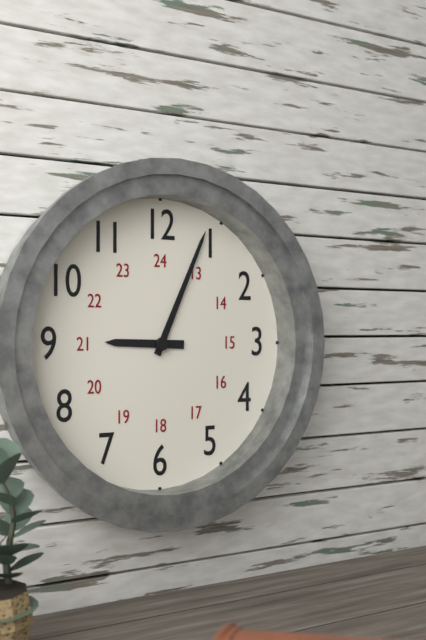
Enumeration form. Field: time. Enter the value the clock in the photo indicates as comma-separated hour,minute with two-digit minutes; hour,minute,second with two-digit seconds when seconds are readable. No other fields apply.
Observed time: 9,04
